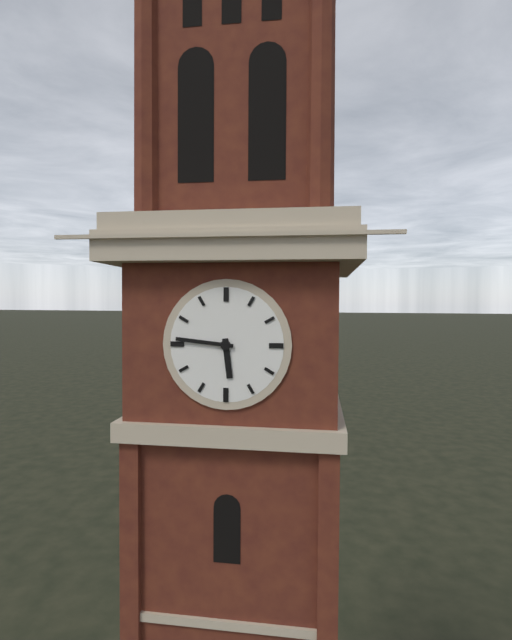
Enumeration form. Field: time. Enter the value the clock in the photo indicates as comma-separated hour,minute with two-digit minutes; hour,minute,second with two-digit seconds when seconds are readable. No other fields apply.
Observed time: 5,46
